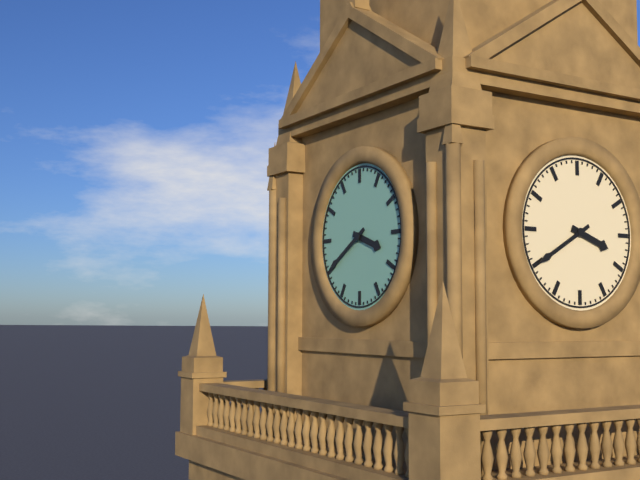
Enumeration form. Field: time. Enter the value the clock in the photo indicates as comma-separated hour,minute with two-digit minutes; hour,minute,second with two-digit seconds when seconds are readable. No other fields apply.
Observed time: 3,40
